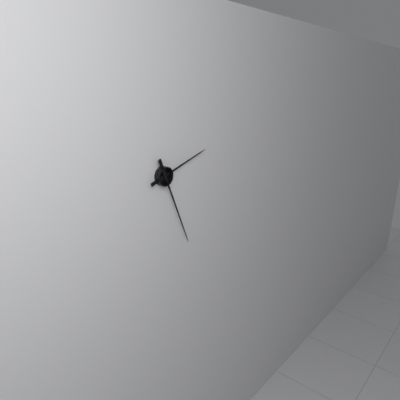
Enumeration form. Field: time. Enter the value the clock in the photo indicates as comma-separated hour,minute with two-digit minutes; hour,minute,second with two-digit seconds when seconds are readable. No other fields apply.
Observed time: 2,26
